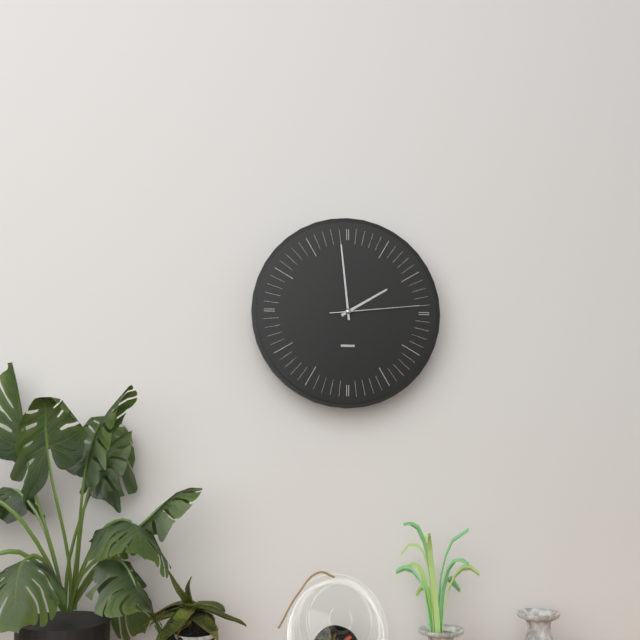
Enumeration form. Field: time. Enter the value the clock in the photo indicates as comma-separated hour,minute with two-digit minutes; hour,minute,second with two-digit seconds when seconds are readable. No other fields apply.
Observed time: 1,59,14
